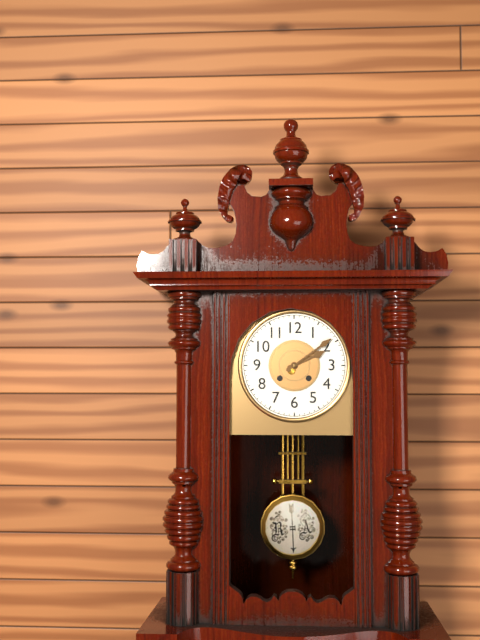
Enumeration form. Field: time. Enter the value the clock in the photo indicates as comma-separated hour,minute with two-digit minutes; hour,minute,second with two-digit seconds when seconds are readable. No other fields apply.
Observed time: 2,09
